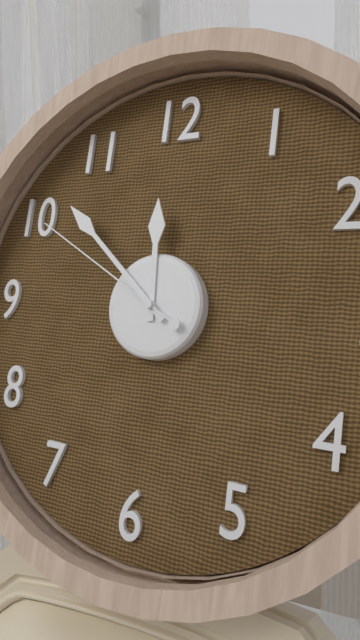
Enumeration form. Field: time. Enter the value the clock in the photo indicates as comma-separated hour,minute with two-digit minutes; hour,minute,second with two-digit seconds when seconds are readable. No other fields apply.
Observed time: 11,52,50
